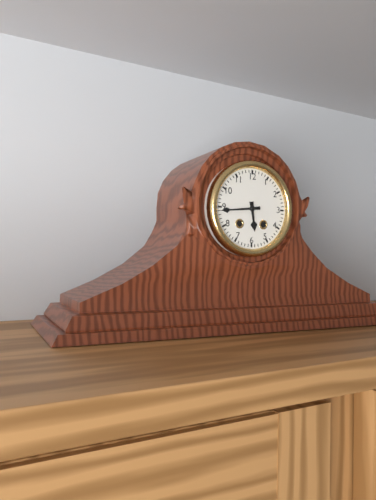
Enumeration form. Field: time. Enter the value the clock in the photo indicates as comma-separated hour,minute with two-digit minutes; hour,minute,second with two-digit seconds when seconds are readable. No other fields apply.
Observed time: 5,44
